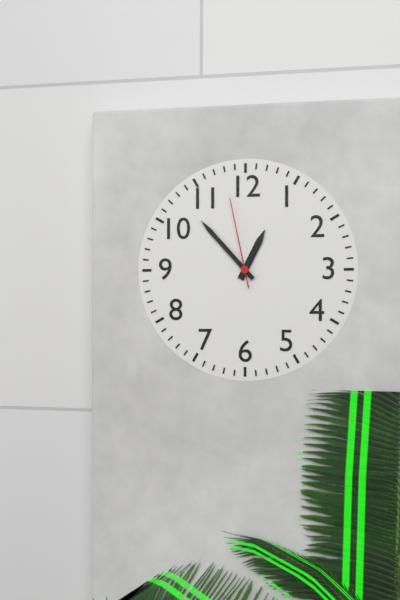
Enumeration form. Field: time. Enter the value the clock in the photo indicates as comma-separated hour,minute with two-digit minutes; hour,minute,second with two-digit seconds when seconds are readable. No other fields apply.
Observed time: 12,53,58
